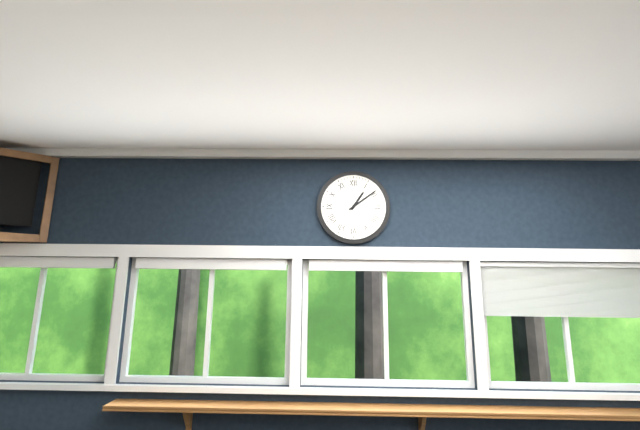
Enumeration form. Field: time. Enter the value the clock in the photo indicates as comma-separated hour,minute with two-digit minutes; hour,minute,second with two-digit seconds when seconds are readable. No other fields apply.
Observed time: 1,09
